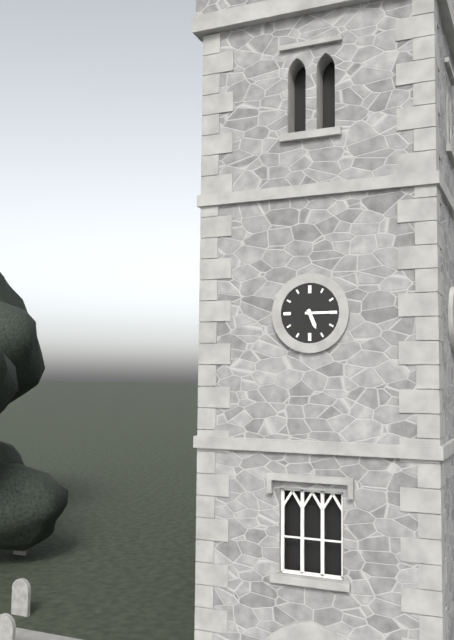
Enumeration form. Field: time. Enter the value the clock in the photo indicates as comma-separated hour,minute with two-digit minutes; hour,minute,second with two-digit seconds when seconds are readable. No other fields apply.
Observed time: 5,15
